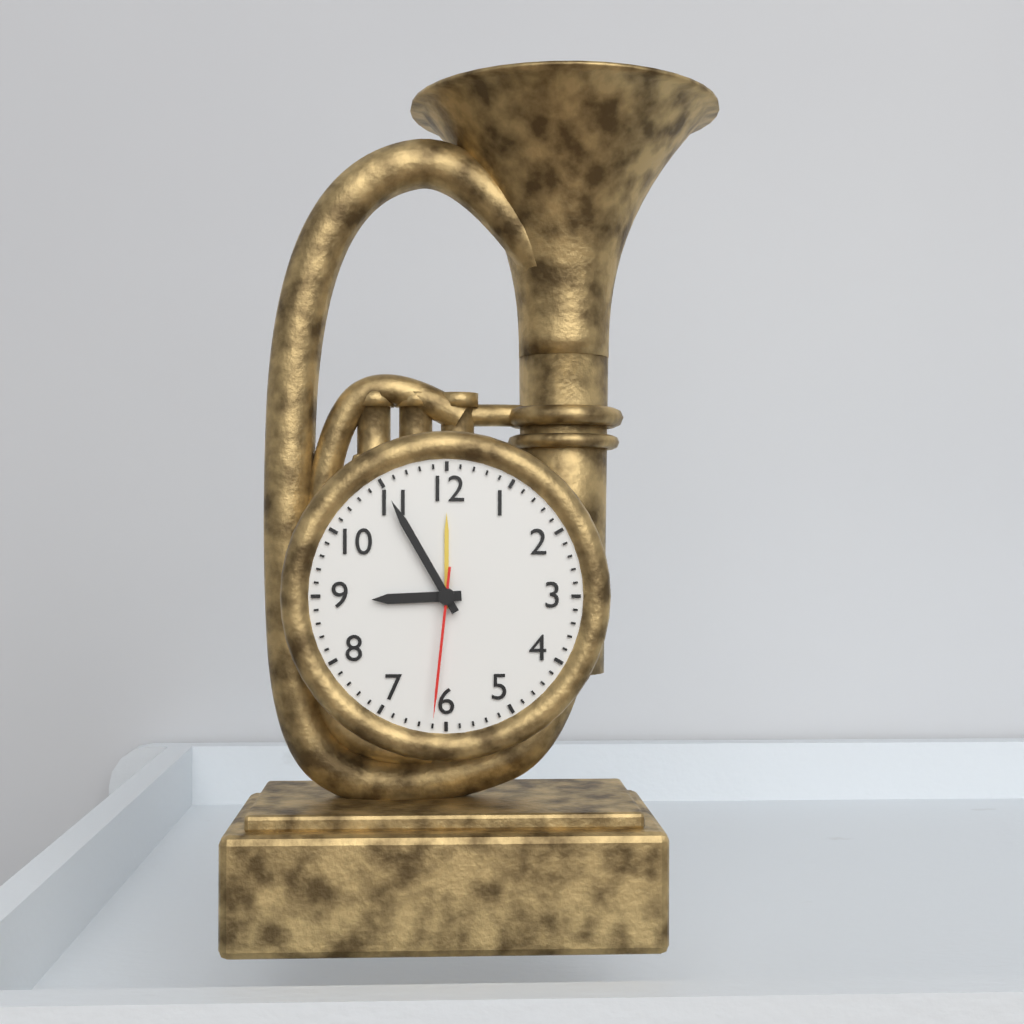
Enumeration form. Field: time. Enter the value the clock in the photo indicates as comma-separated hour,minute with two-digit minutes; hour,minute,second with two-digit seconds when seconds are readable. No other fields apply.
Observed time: 8,55,31
